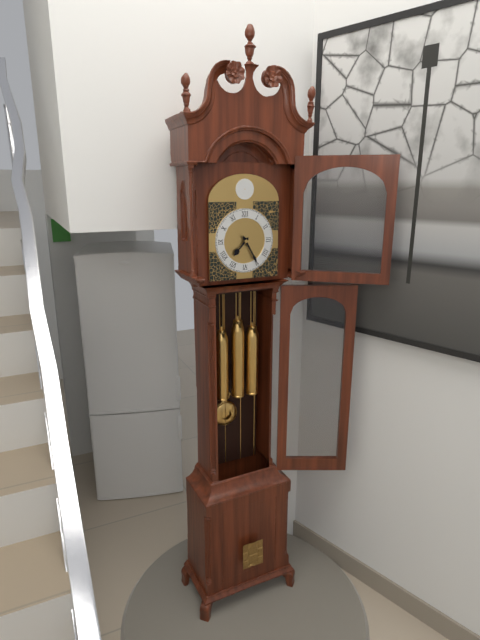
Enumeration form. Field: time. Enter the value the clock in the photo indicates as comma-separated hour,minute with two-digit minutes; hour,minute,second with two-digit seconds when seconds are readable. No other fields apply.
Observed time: 7,25
